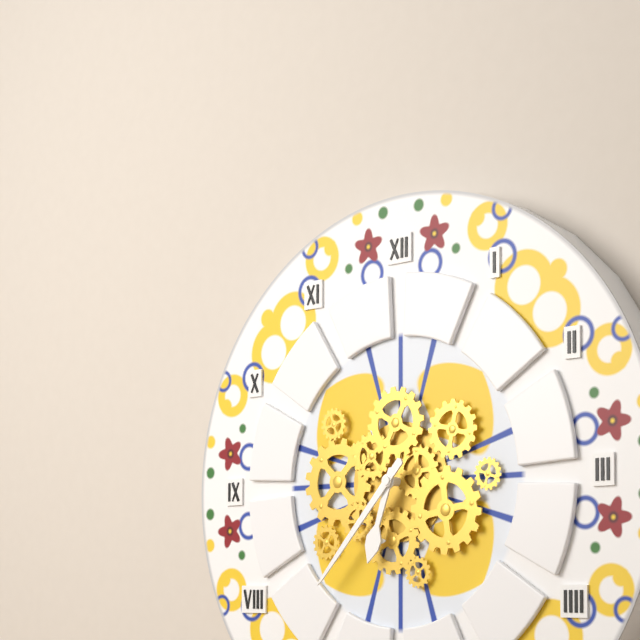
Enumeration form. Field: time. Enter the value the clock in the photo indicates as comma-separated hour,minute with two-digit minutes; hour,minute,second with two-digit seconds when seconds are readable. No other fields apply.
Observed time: 6,37
